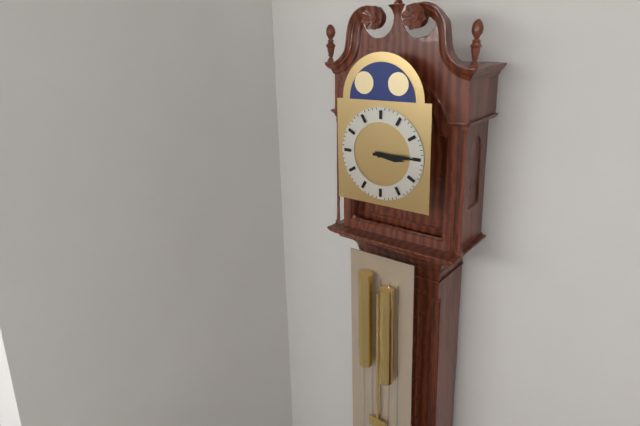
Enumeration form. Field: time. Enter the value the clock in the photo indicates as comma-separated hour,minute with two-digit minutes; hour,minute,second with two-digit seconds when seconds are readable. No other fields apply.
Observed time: 3,15
